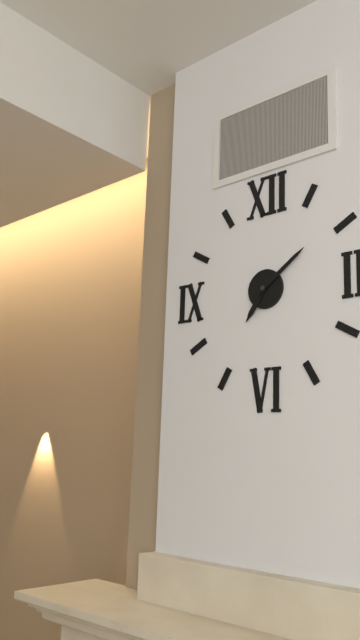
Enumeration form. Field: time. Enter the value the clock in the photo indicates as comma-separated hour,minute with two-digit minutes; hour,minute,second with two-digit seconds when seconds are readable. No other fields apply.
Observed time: 7,09
